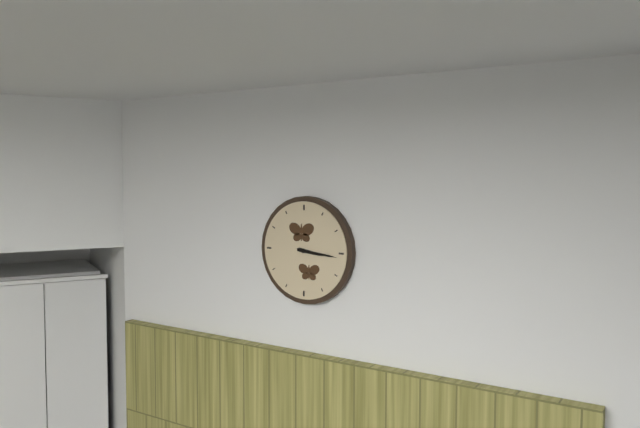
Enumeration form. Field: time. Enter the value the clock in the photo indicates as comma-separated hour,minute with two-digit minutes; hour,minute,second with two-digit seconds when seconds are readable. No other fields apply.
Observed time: 3,16
